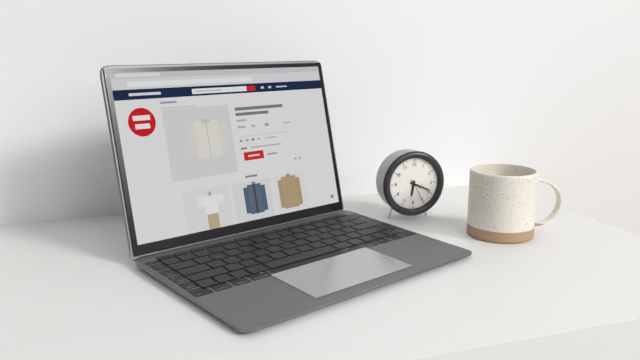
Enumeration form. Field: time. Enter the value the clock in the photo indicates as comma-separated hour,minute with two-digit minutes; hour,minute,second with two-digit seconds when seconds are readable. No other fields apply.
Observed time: 6,19
